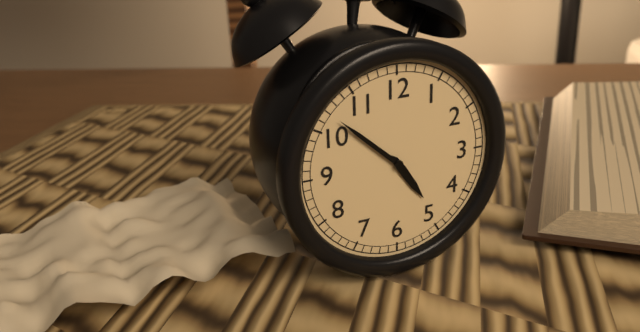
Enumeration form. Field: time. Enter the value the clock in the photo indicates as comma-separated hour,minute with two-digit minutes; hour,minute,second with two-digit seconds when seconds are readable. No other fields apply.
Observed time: 4,52
